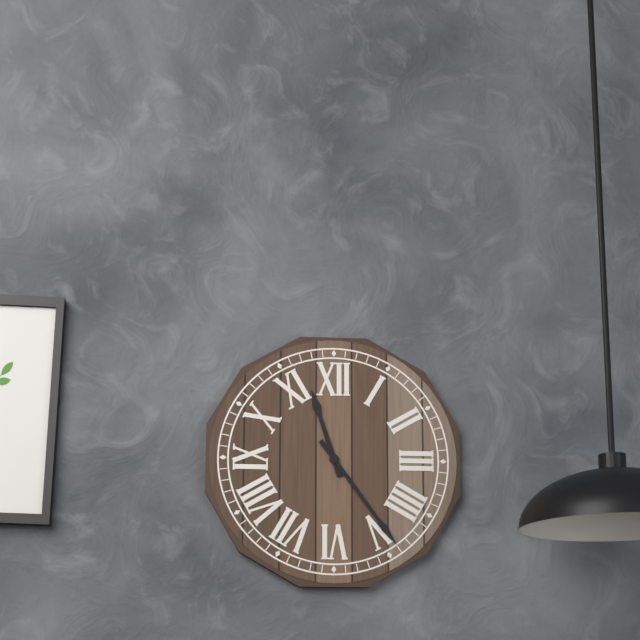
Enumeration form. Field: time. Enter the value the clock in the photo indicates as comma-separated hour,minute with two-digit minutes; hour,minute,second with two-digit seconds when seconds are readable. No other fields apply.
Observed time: 11,24
